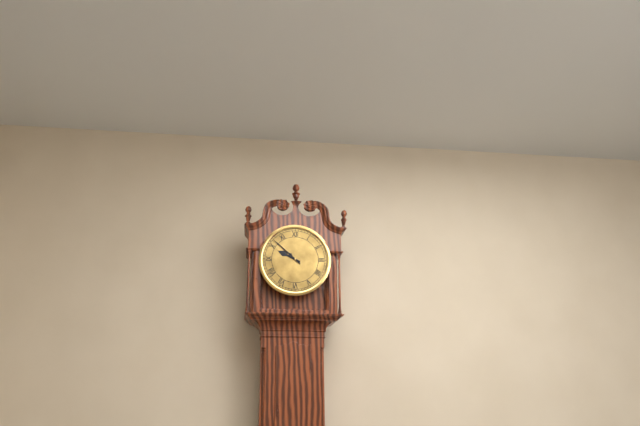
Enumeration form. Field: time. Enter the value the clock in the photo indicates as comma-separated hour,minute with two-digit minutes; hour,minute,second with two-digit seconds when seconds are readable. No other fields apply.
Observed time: 9,52
